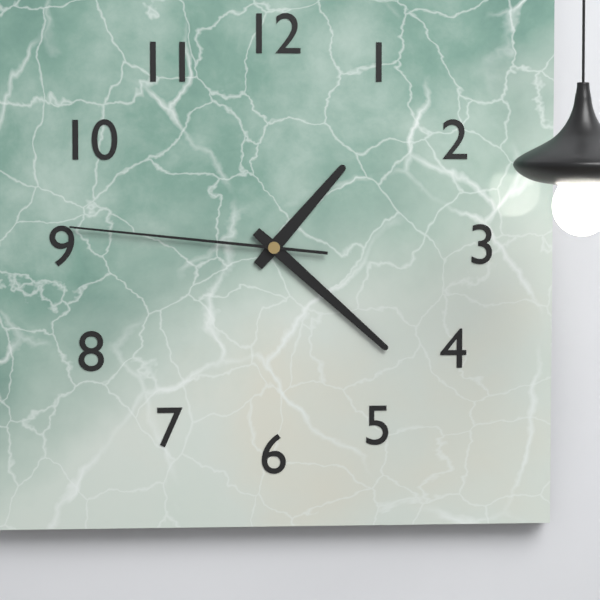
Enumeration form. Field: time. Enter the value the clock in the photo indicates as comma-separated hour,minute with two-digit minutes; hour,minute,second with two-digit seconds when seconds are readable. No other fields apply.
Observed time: 1,22,46
